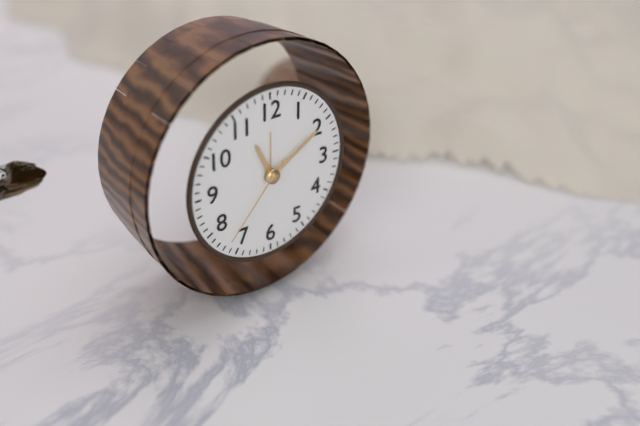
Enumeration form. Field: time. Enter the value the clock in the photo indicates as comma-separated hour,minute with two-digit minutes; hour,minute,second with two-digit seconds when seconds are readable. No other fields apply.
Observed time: 11,10,37
